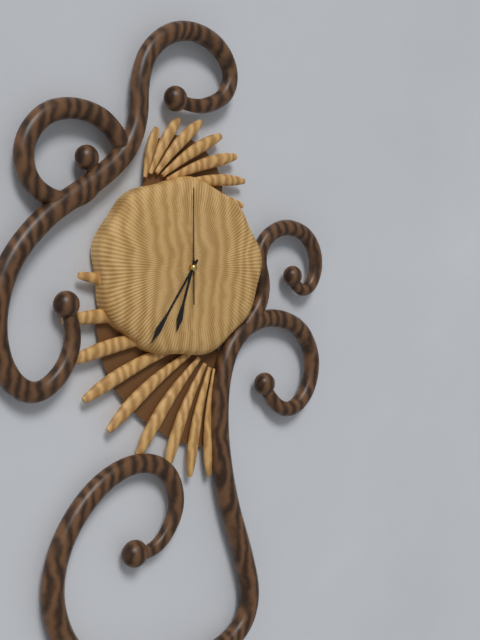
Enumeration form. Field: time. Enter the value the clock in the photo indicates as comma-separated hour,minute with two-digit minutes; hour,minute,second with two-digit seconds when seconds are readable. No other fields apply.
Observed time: 6,36,00
